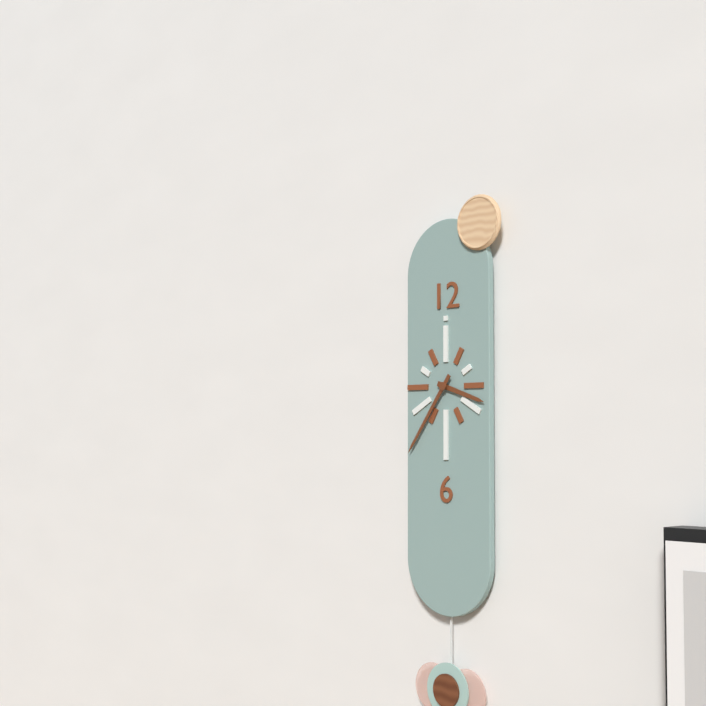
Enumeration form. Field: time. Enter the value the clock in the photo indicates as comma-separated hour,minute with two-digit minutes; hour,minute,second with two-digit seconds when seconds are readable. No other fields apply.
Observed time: 3,36
